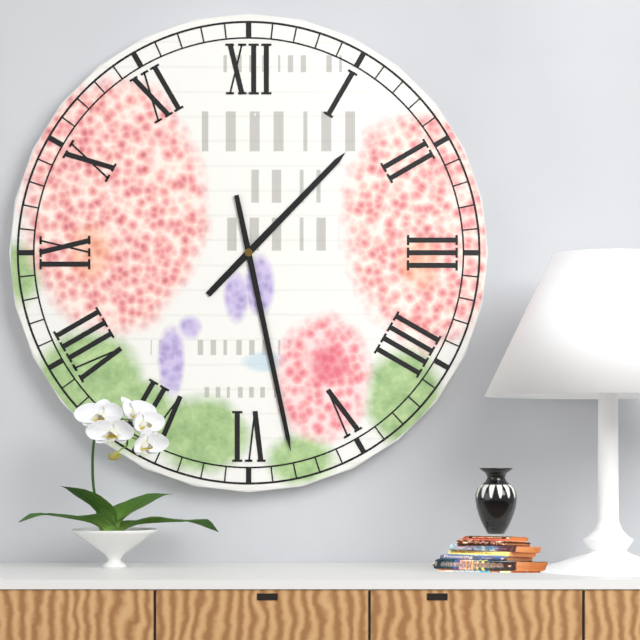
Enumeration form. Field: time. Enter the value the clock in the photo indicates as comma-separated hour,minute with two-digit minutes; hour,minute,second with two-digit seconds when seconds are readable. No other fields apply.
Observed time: 1,28
